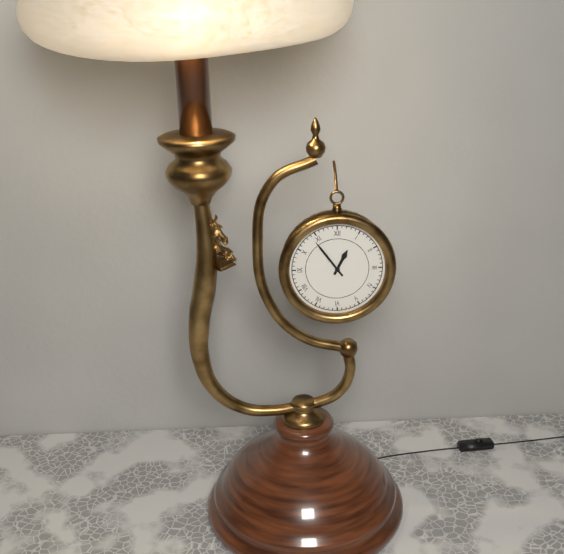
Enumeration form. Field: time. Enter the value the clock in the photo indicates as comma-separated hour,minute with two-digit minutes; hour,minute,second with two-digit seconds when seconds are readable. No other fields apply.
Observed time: 12,54
